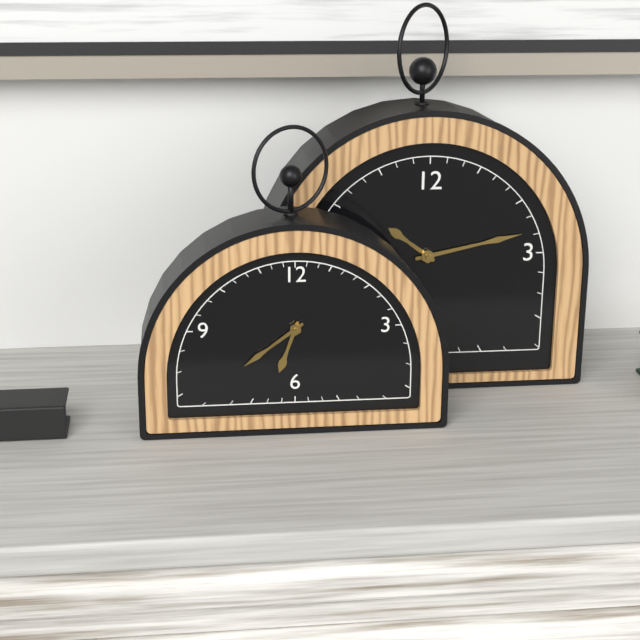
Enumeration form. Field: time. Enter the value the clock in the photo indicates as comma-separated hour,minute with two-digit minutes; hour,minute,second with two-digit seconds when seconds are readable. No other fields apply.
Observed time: 6,39
